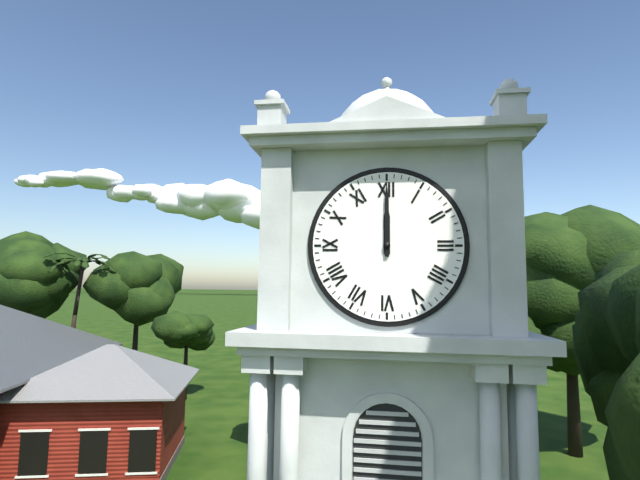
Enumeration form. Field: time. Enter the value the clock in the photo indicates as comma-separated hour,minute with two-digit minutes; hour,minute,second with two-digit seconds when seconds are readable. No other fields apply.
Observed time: 12,00
